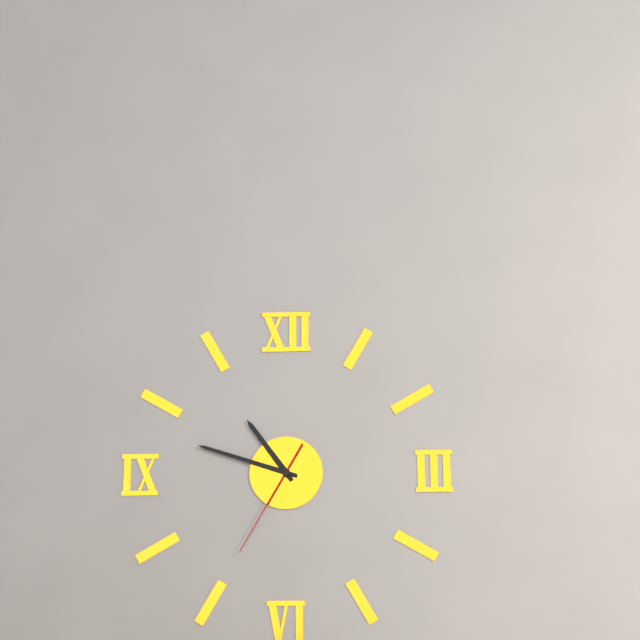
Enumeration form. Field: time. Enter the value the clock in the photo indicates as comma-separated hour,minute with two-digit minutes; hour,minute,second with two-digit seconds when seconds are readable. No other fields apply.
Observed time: 10,48,35
